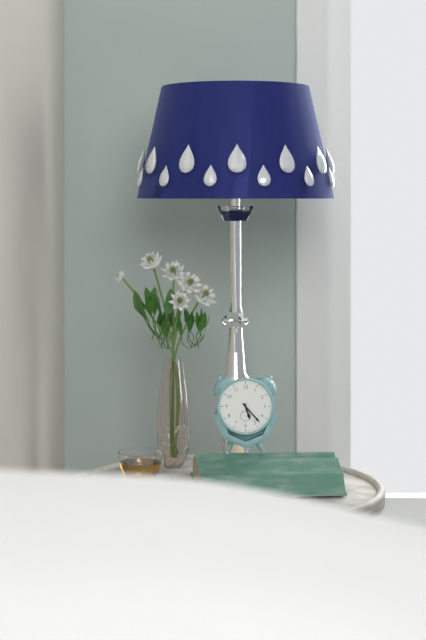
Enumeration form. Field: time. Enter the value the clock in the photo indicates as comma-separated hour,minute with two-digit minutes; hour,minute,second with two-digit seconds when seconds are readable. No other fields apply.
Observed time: 5,23
